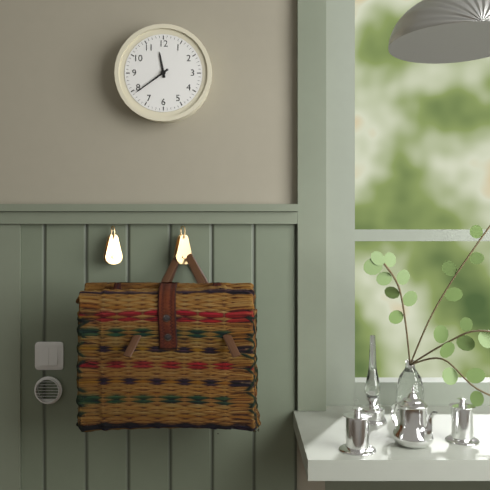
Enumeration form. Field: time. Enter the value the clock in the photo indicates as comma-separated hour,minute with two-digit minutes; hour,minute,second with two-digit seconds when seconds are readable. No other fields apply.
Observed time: 11,39
